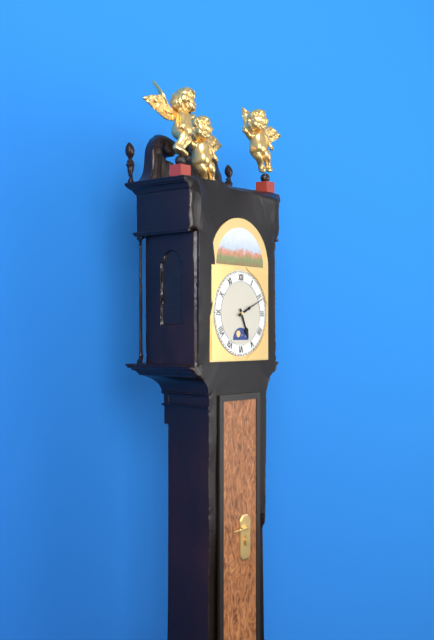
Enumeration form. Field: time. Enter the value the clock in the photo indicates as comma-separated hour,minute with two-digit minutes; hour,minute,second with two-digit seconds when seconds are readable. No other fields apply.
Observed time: 5,11
